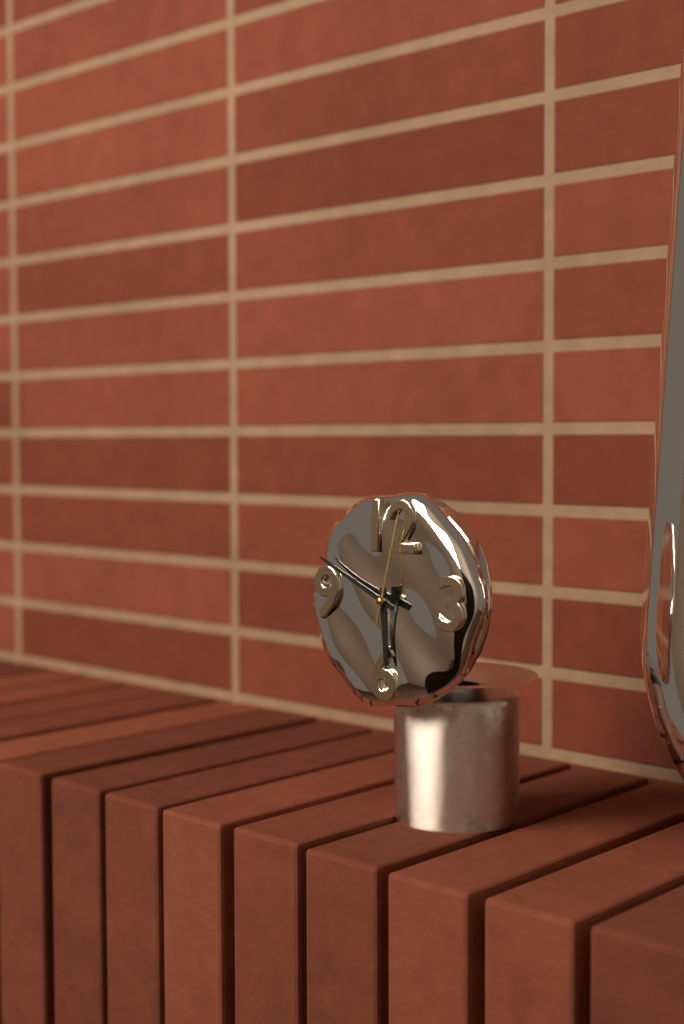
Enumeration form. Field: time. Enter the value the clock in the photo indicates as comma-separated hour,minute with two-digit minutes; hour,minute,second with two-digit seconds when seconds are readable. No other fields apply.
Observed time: 5,49,02
